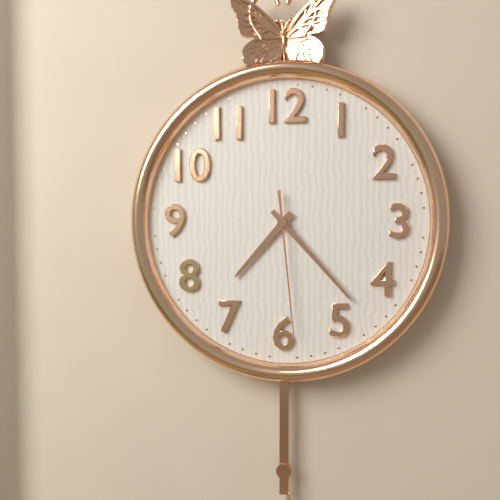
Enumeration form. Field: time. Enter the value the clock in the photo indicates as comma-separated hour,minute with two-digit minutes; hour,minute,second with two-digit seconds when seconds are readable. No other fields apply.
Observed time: 7,23,29
